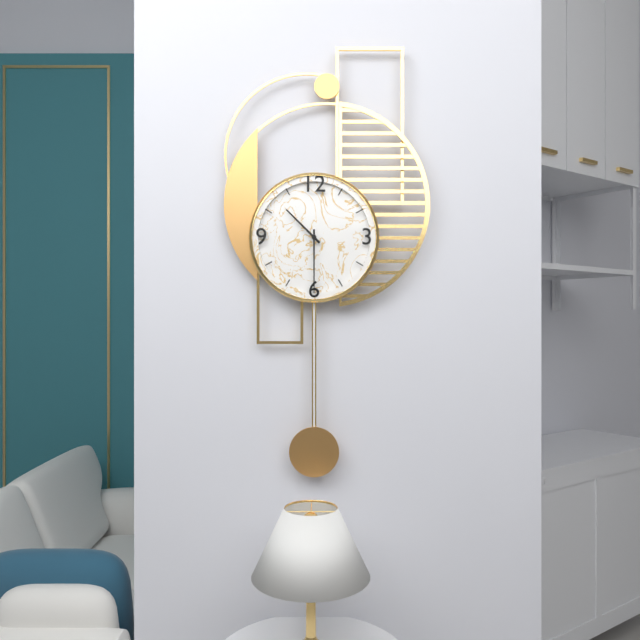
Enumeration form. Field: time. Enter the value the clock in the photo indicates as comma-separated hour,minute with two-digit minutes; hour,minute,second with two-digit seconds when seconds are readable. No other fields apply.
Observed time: 10,30
